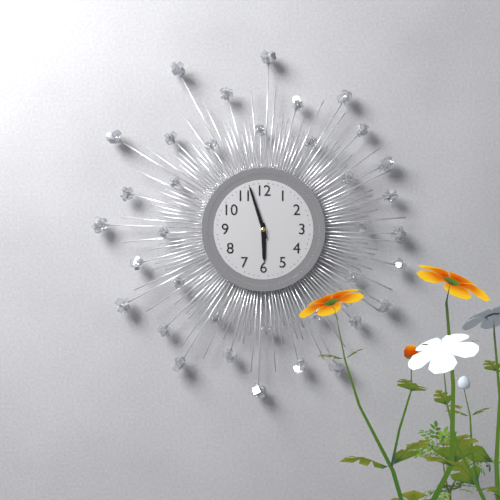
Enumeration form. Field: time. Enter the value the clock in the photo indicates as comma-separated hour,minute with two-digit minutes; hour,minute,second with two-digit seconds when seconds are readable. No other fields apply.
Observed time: 5,57
